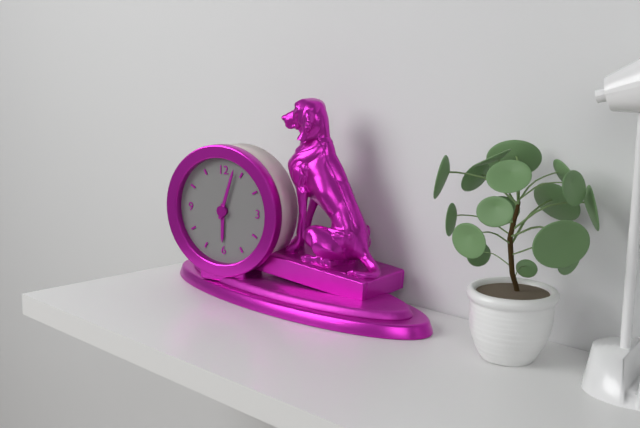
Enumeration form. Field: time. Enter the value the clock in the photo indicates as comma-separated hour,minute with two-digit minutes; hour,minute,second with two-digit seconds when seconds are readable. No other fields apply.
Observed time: 6,03
